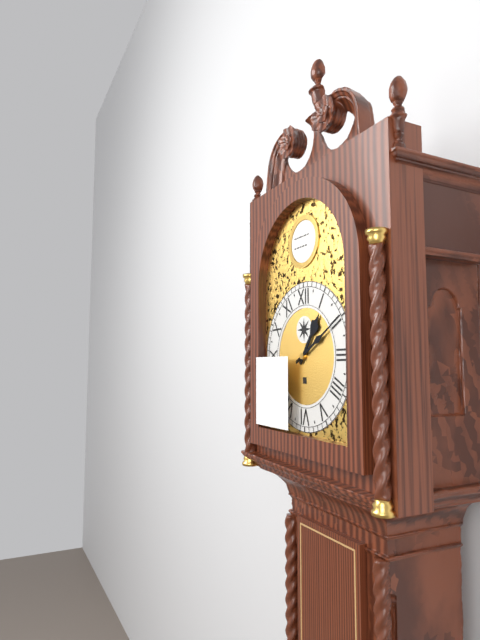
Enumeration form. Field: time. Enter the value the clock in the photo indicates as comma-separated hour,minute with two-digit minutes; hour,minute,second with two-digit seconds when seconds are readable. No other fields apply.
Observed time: 1,10
